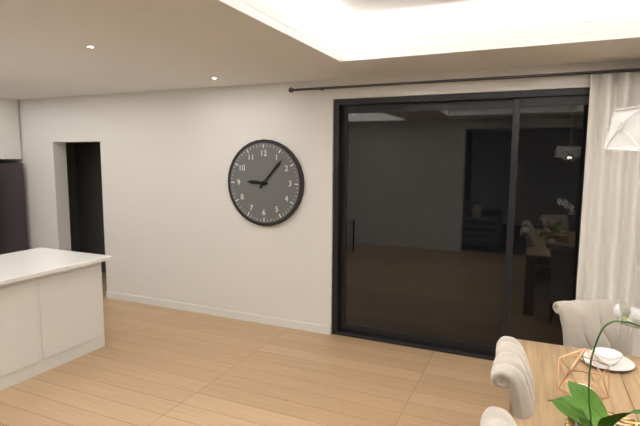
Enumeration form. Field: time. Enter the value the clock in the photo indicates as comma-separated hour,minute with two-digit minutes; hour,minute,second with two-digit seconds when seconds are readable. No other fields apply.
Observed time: 9,07
